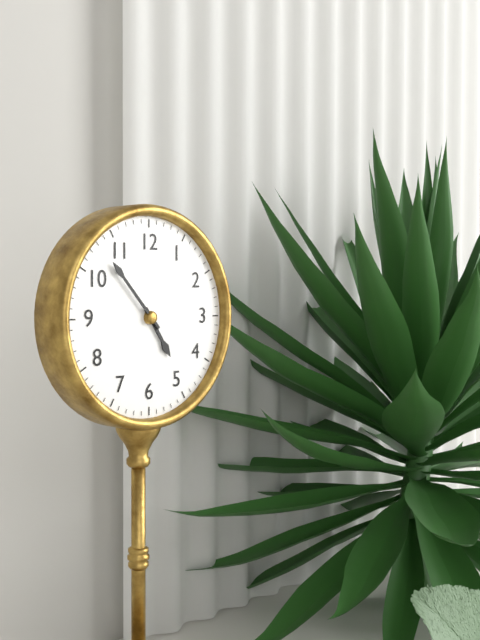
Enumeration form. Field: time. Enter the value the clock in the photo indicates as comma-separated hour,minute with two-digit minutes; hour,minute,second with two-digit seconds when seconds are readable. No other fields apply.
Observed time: 4,53
